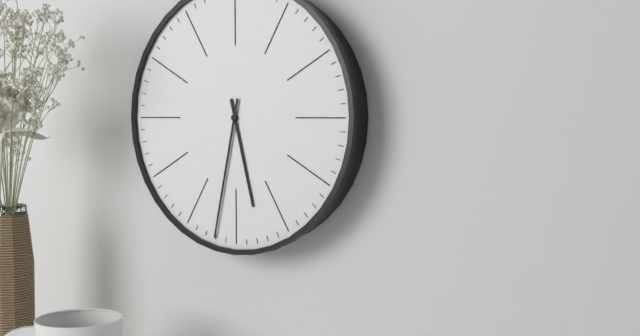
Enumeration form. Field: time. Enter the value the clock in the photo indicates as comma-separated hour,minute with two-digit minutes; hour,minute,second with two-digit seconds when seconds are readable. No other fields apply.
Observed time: 5,32
